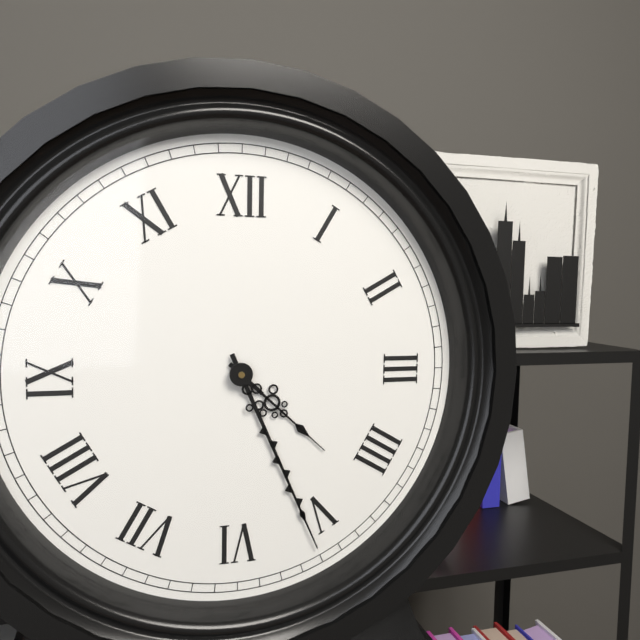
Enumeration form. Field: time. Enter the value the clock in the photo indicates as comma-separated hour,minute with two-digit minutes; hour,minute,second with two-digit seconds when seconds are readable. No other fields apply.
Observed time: 4,26
